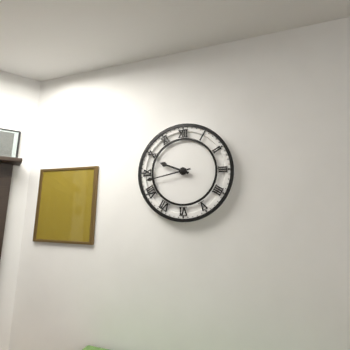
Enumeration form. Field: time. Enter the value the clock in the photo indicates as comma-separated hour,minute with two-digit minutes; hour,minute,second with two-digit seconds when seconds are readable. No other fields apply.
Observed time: 9,43
